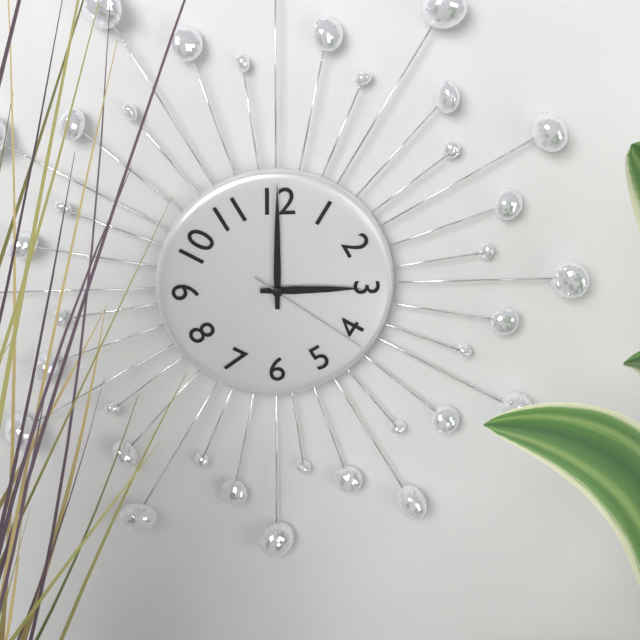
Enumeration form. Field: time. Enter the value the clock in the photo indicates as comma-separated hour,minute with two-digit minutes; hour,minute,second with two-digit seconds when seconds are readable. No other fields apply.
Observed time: 3,00,21
